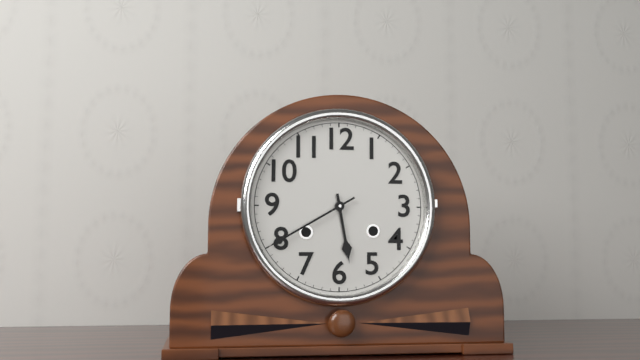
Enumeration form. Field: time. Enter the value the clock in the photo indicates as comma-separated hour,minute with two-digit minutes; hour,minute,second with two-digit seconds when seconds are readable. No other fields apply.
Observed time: 5,40
